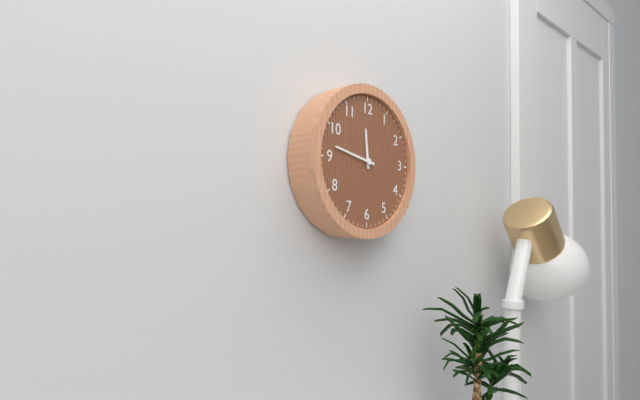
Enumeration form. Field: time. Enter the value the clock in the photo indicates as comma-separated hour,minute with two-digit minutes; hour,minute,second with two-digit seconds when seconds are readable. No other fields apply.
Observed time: 11,47
